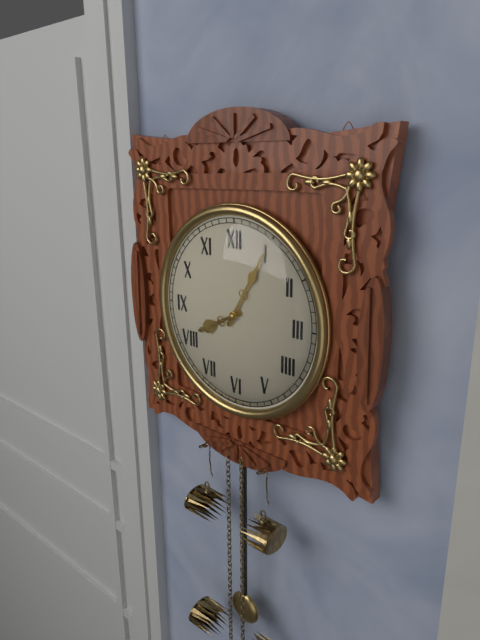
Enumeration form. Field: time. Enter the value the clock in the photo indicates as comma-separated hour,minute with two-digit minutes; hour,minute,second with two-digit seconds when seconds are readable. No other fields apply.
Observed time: 8,05
